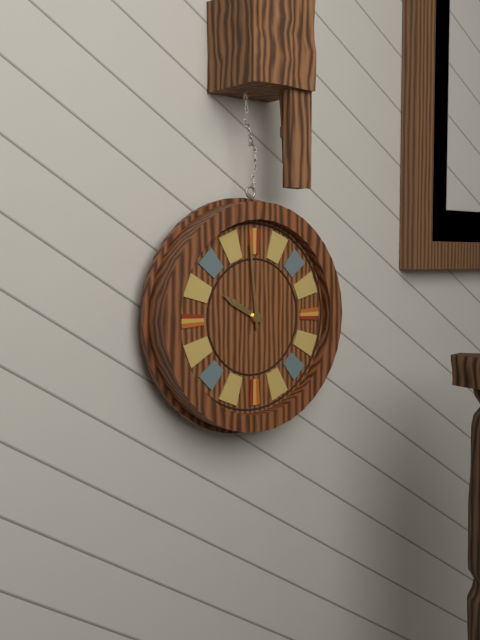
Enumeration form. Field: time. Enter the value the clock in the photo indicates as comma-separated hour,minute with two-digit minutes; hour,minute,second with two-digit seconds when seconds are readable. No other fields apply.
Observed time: 9,59
